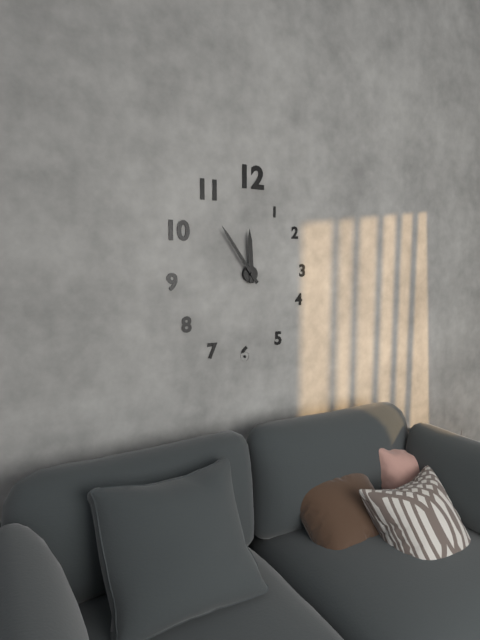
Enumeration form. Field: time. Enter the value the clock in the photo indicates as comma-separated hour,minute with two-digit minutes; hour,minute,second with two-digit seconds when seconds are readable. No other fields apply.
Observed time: 11,54
